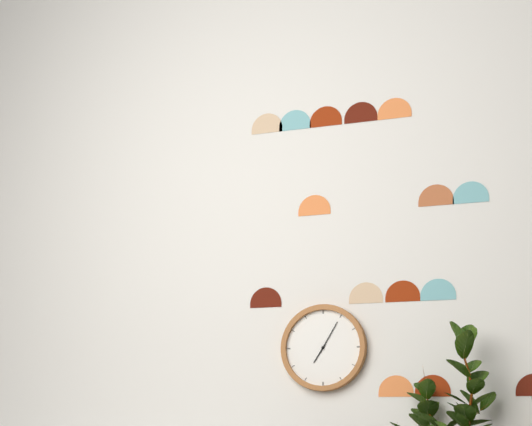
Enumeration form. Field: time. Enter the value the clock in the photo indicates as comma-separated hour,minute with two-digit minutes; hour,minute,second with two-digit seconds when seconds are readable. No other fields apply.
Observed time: 7,05
